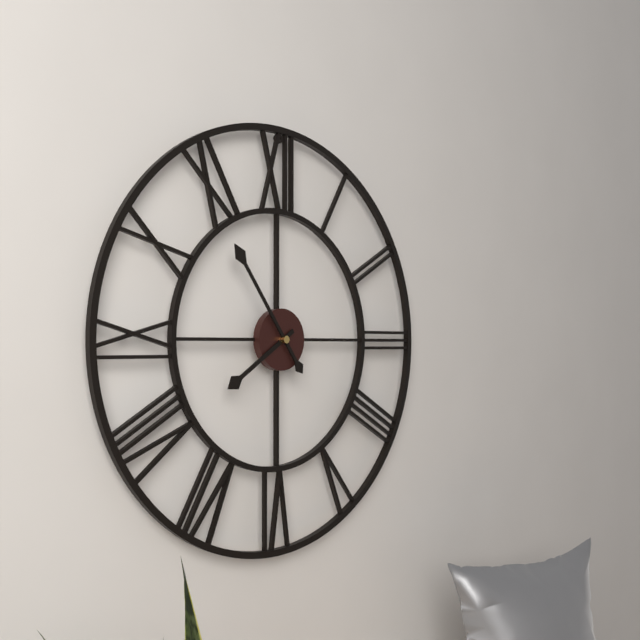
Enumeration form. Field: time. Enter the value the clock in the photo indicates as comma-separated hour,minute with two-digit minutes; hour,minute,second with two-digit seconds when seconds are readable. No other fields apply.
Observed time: 7,54
